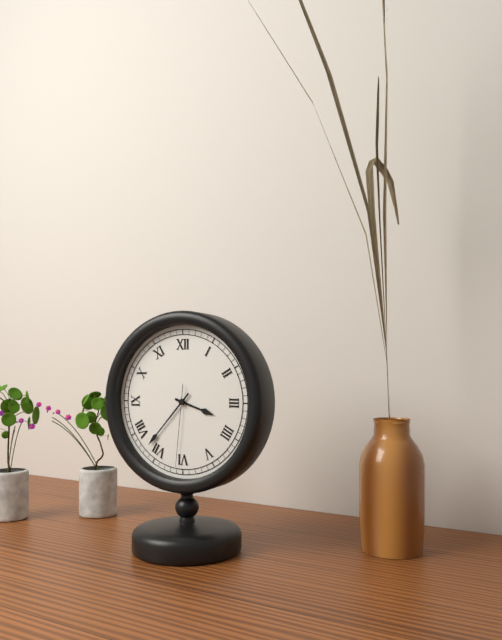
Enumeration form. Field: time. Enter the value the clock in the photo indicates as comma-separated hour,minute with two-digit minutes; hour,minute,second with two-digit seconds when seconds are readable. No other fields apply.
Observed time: 3,37,31
